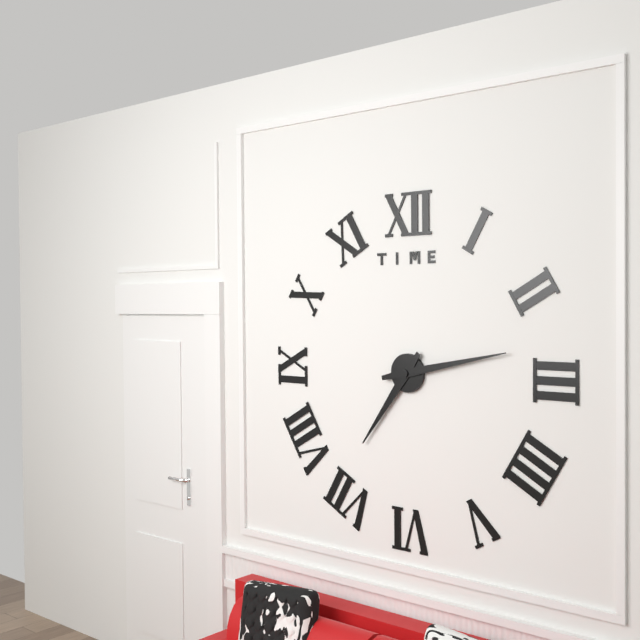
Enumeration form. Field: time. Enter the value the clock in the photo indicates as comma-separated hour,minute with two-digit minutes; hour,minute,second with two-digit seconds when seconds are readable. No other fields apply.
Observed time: 7,13
